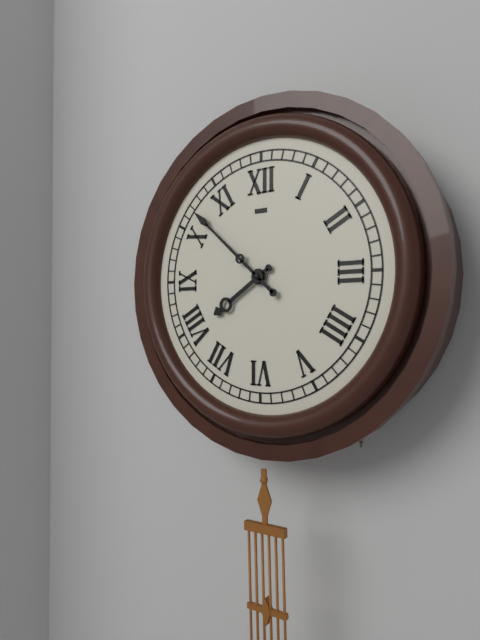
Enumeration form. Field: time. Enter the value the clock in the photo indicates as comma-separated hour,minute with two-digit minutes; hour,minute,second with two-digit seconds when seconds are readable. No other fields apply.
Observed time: 7,52
